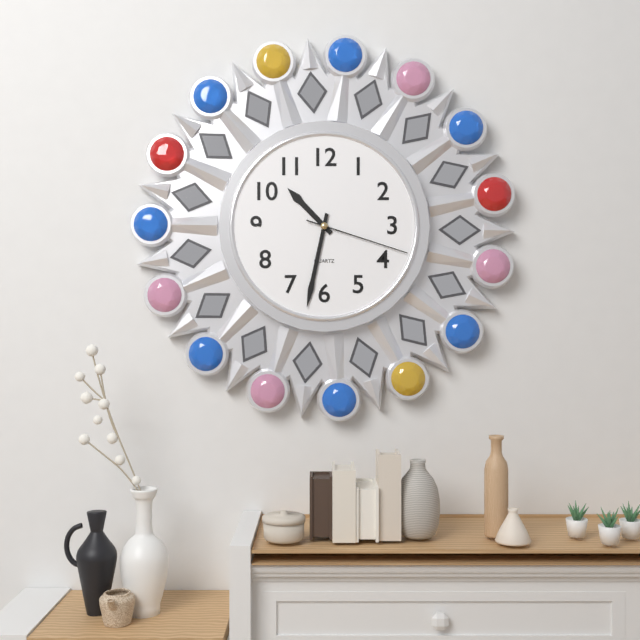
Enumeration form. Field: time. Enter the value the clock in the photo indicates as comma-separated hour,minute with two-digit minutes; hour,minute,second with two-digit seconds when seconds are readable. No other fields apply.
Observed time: 10,32,18
